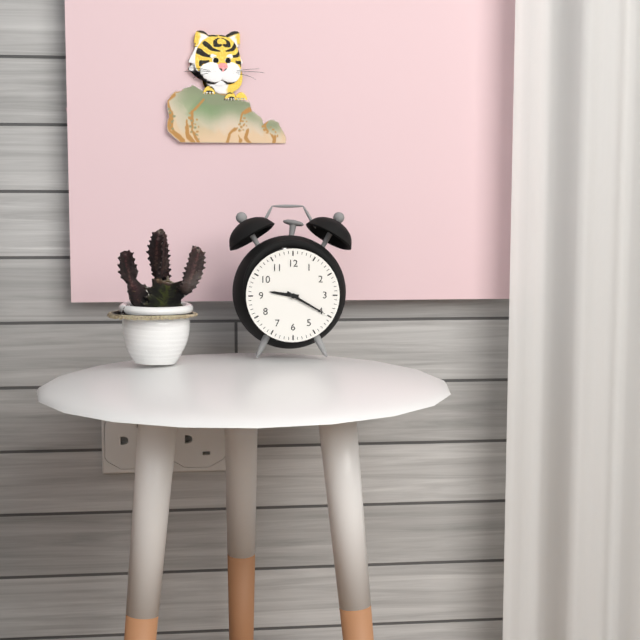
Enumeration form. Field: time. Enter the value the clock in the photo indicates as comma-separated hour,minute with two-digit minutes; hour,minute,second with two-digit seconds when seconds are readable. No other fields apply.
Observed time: 9,20
